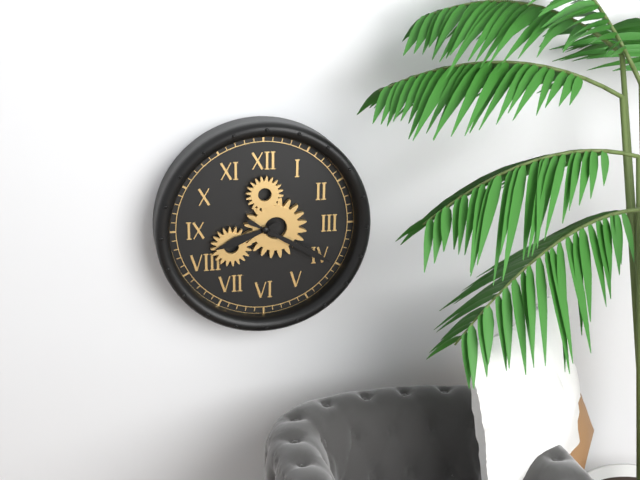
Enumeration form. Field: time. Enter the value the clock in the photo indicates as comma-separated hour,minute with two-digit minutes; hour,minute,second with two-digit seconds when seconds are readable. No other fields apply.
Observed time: 8,20
